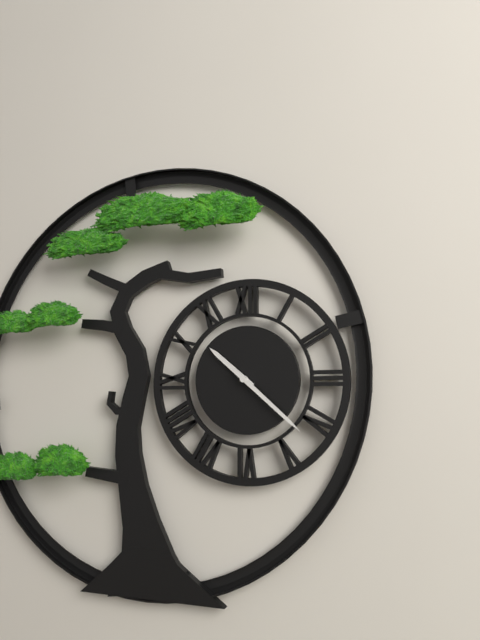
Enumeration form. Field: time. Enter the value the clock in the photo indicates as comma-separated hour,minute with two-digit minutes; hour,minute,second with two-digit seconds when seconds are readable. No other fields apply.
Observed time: 10,22
